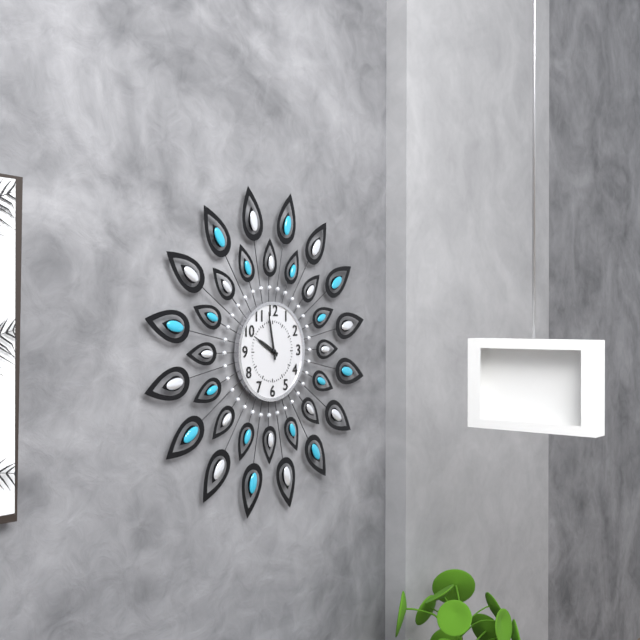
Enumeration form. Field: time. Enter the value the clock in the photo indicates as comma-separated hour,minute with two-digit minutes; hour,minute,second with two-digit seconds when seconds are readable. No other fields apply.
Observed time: 9,58
